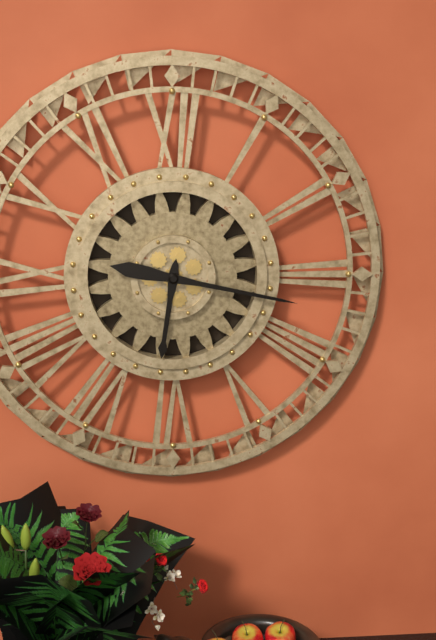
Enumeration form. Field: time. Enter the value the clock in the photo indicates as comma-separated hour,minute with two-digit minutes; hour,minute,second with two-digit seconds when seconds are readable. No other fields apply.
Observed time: 6,17
